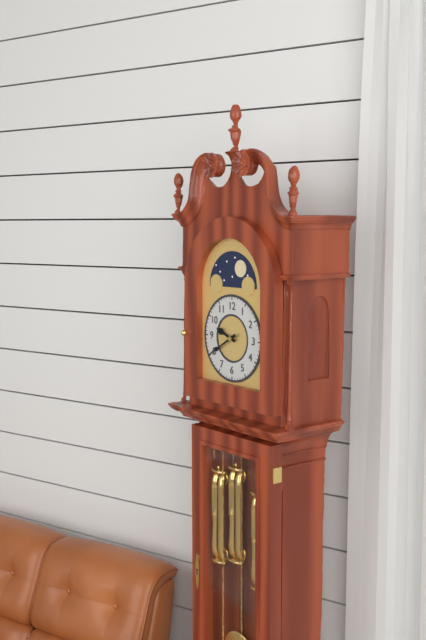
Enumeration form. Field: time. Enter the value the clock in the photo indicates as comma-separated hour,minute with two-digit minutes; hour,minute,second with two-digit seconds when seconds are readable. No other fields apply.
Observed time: 9,40
